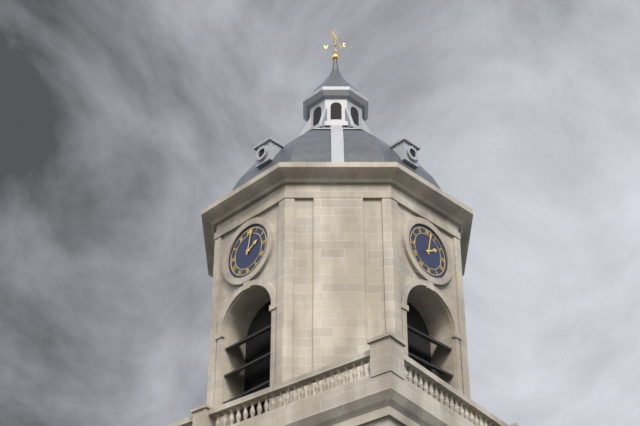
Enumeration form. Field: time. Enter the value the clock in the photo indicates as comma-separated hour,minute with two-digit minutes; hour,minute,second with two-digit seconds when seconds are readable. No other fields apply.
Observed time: 2,02
